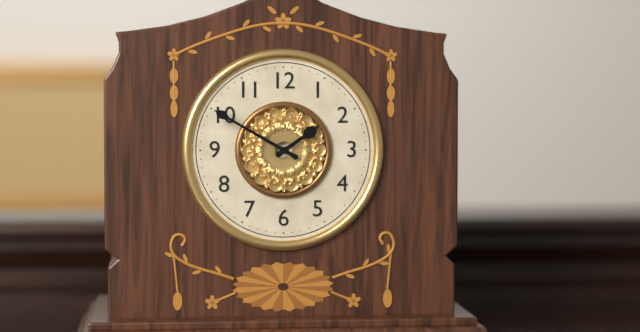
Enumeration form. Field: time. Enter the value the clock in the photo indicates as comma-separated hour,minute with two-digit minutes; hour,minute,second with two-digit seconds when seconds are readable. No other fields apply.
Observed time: 1,50
